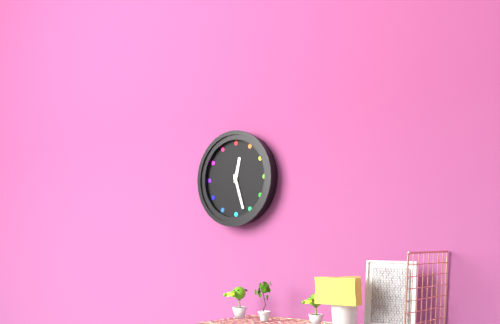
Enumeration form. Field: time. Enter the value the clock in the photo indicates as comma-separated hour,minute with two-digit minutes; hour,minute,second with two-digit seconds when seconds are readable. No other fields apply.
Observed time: 12,27
